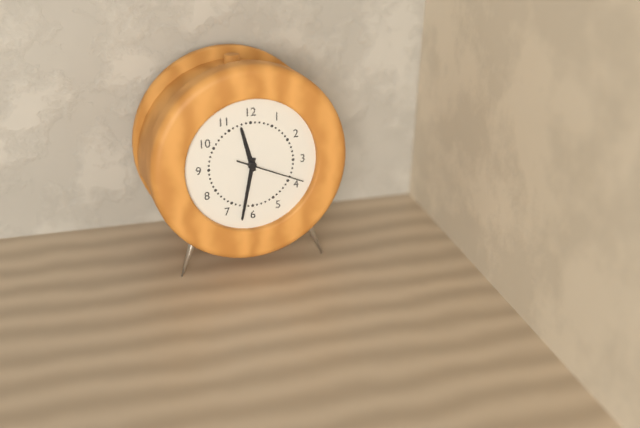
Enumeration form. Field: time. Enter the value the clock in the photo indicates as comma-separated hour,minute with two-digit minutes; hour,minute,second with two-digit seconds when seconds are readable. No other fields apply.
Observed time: 11,32,19
